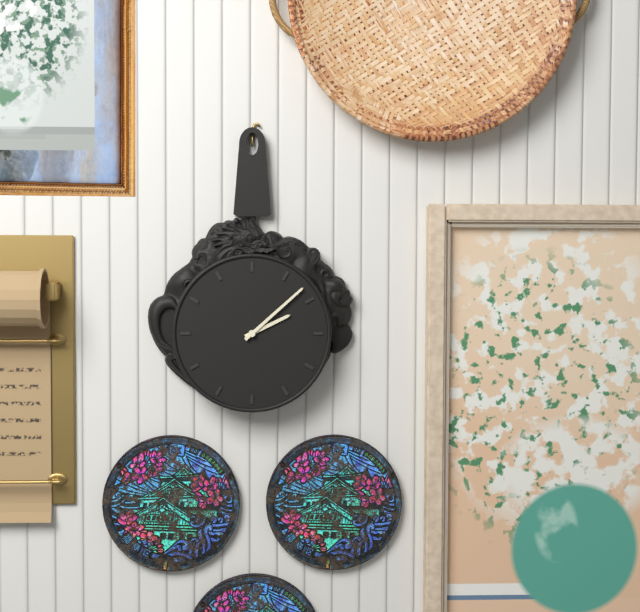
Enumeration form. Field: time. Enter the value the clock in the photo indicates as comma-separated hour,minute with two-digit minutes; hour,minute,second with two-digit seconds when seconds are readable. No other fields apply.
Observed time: 2,08
